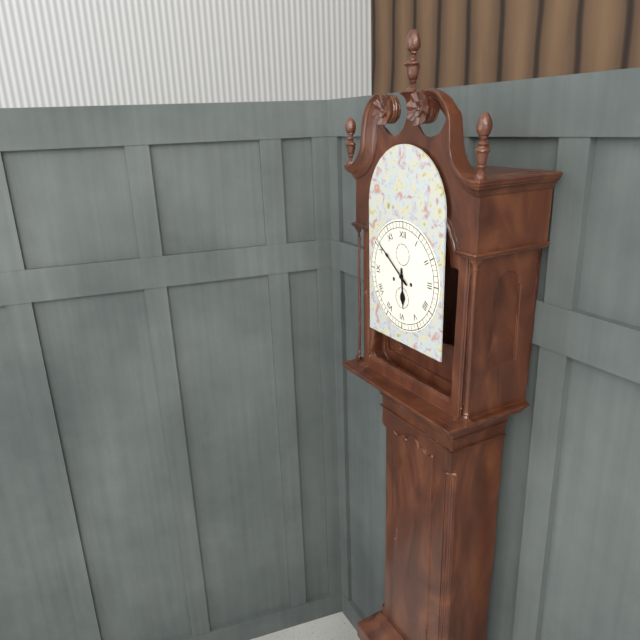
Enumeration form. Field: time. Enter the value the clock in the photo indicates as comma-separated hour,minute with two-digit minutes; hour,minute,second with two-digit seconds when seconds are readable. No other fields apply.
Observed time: 5,51
